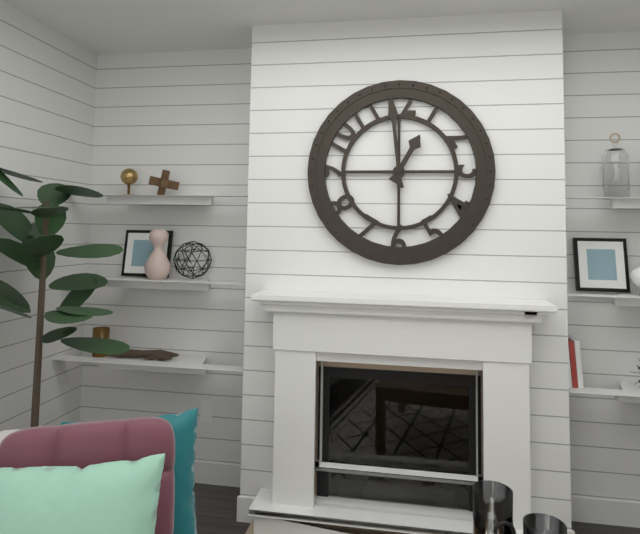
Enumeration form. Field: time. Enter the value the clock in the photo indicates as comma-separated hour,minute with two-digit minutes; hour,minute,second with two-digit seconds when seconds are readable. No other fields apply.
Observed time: 12,59
